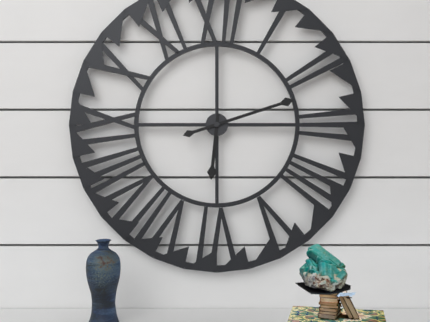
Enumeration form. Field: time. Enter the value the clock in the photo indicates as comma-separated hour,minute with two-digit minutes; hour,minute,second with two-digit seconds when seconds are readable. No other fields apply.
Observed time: 6,12
